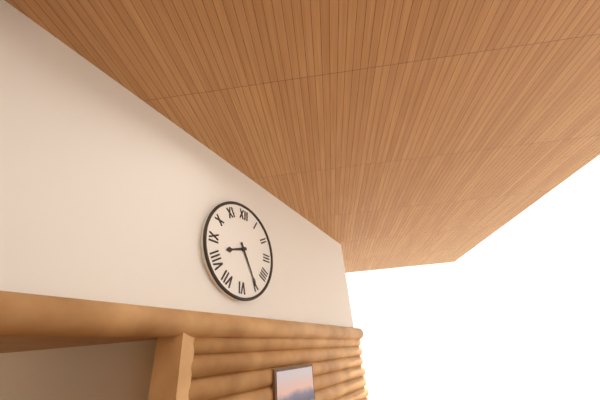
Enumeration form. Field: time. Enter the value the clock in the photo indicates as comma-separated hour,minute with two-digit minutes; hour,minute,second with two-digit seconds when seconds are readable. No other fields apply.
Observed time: 8,25
